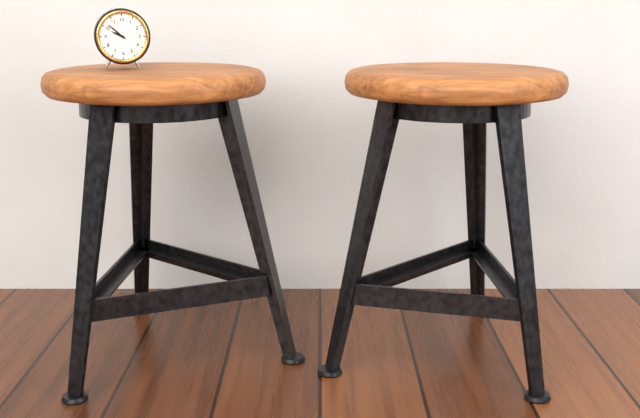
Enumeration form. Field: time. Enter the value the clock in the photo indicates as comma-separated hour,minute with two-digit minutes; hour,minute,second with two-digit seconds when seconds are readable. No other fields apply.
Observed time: 9,52
